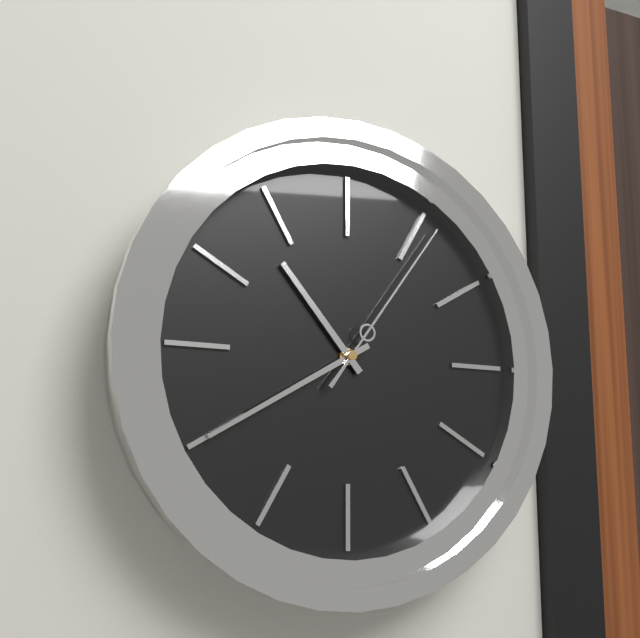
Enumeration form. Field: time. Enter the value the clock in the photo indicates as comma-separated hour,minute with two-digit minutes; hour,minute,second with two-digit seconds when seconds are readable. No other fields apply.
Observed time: 10,40,06
